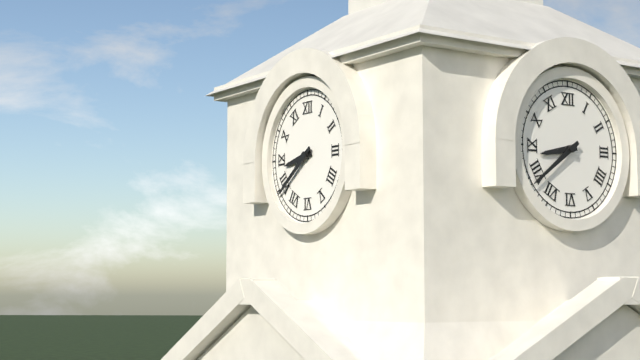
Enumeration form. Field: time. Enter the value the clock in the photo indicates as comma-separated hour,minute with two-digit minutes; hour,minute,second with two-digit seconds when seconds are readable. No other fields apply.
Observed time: 8,39
